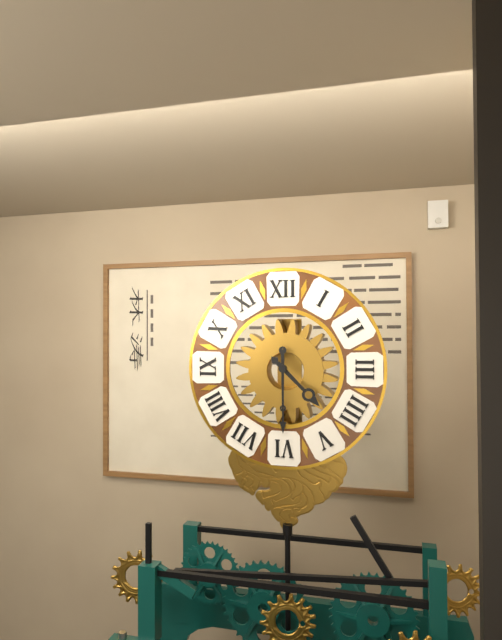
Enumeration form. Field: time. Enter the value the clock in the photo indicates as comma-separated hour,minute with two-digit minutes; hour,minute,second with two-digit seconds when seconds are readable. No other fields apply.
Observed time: 4,30
